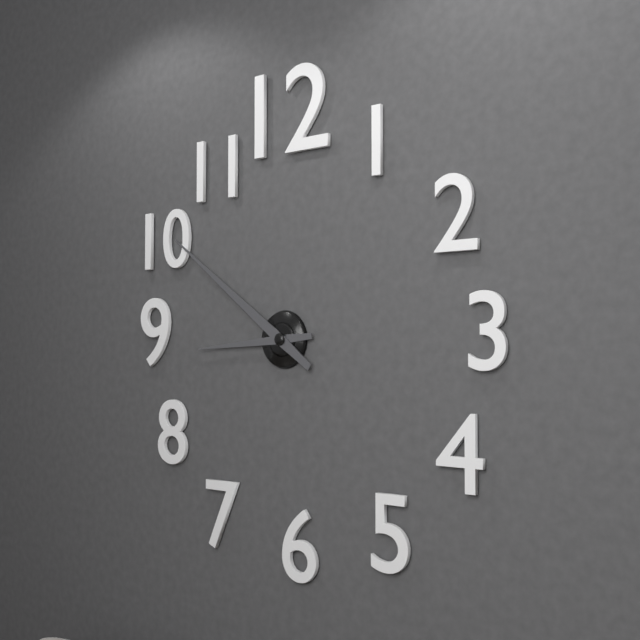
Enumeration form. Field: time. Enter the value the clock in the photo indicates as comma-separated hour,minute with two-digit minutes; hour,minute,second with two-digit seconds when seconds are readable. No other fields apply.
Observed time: 8,51
